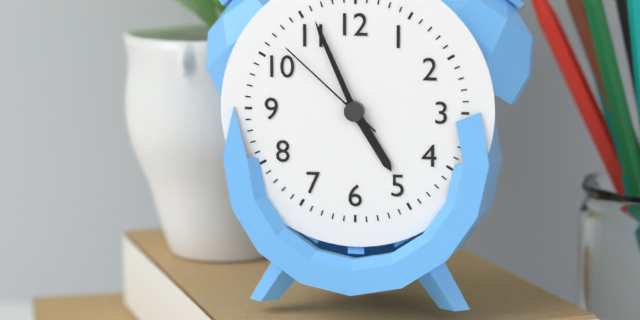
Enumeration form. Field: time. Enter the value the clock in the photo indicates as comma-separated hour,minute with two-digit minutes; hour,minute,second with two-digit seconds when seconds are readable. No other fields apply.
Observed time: 4,56,52
